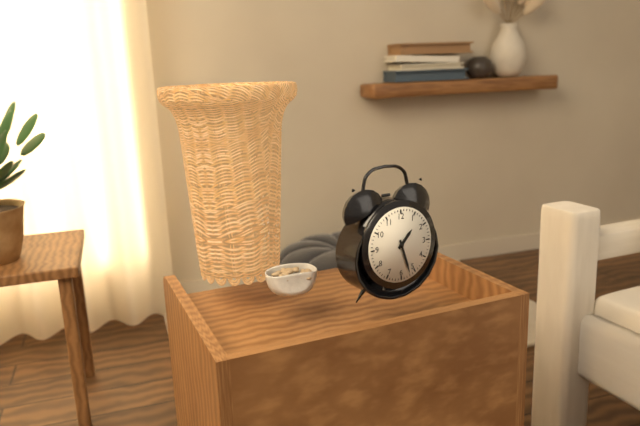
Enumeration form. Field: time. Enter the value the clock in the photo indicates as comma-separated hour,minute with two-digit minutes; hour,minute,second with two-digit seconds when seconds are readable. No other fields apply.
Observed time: 1,27
